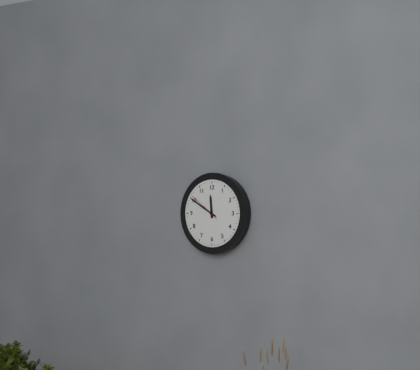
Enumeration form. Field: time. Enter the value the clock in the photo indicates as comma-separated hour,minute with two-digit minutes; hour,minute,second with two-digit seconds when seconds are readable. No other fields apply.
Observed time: 11,50
